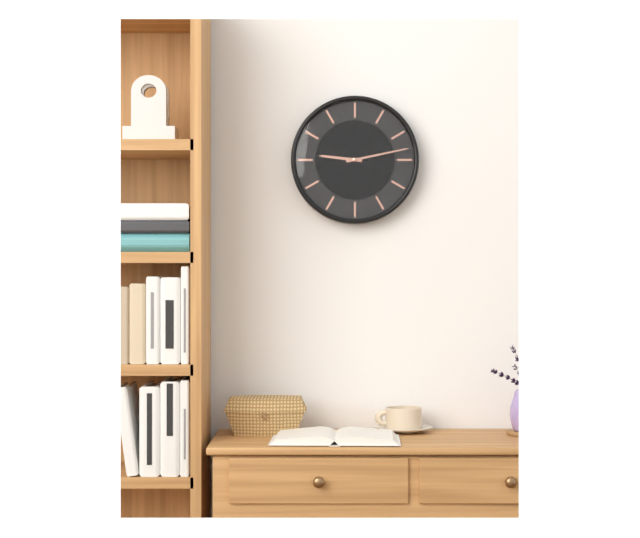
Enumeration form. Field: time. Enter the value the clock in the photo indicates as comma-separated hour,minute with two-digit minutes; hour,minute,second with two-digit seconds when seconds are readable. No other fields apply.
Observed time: 9,13
